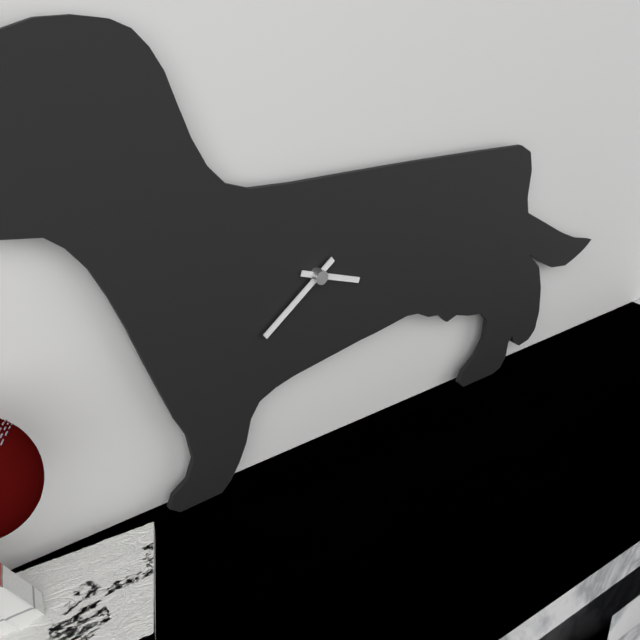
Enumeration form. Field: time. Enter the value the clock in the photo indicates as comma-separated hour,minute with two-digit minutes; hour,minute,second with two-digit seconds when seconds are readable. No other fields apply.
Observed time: 3,39
